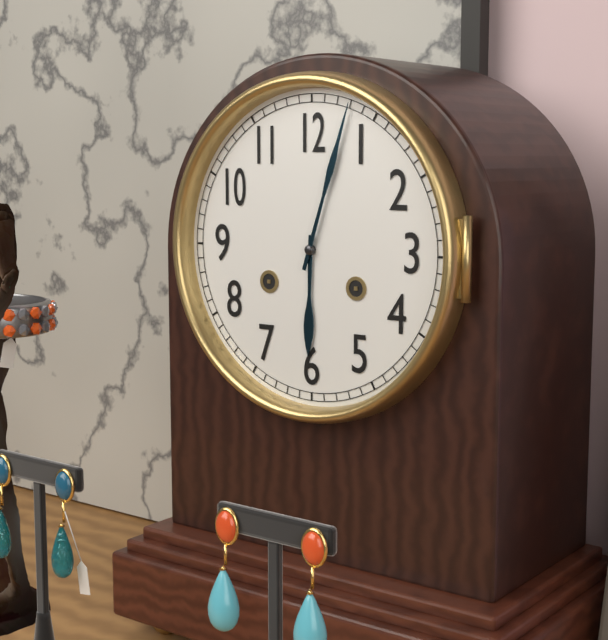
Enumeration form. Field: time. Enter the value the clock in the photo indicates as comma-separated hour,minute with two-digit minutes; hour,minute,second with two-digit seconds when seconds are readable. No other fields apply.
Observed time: 6,03
